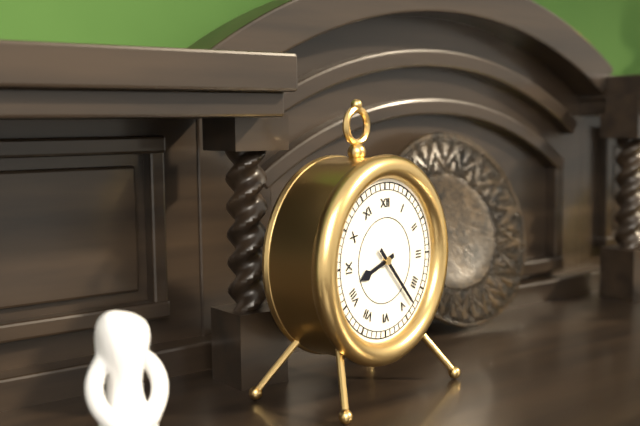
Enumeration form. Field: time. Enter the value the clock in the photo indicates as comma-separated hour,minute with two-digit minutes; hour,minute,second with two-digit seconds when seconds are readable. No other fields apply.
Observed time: 8,23
